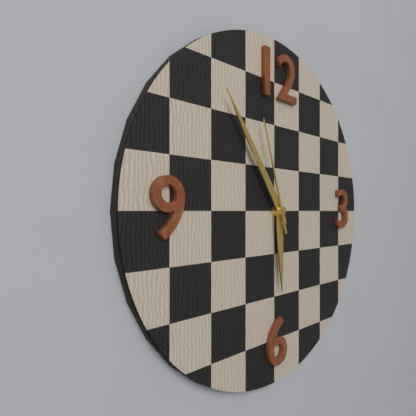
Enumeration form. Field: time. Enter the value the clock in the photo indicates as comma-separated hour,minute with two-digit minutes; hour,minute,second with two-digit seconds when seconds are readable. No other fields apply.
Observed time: 5,54,57
